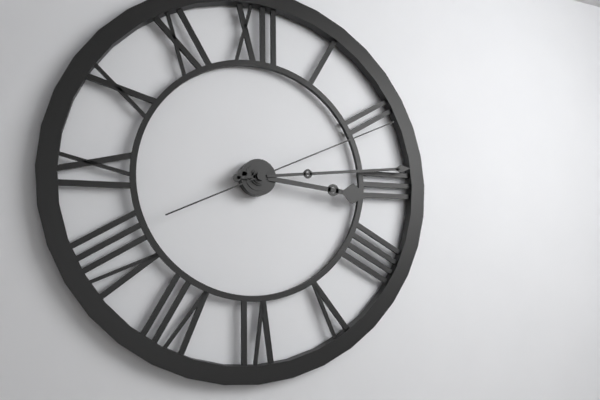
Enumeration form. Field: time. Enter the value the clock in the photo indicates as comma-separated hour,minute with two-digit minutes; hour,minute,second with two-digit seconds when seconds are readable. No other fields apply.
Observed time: 3,14,11
